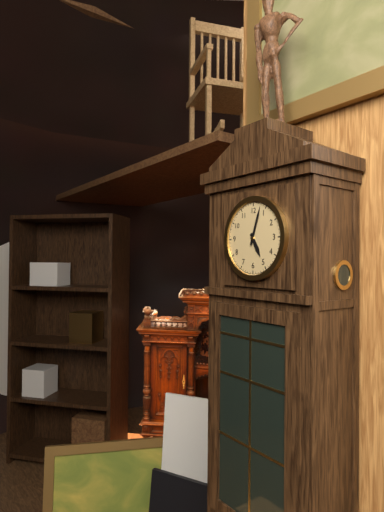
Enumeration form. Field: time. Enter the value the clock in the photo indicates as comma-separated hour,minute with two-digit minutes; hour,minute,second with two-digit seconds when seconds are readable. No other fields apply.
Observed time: 5,03
